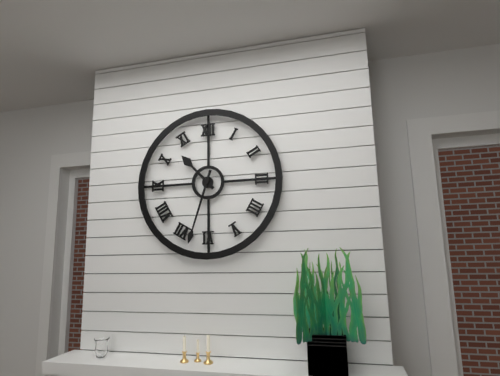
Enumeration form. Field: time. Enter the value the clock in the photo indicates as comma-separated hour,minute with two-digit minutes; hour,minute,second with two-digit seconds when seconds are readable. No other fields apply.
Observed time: 10,33
